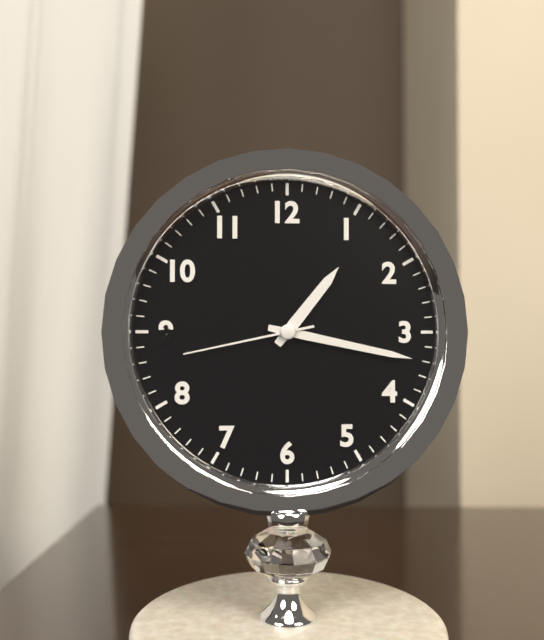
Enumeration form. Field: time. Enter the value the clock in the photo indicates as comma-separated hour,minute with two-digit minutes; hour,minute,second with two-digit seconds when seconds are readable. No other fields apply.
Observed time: 1,17,43
